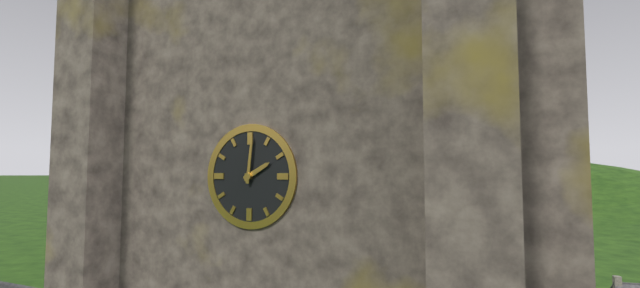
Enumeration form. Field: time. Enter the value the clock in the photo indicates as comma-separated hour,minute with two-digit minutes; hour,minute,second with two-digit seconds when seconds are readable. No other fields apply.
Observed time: 2,01
